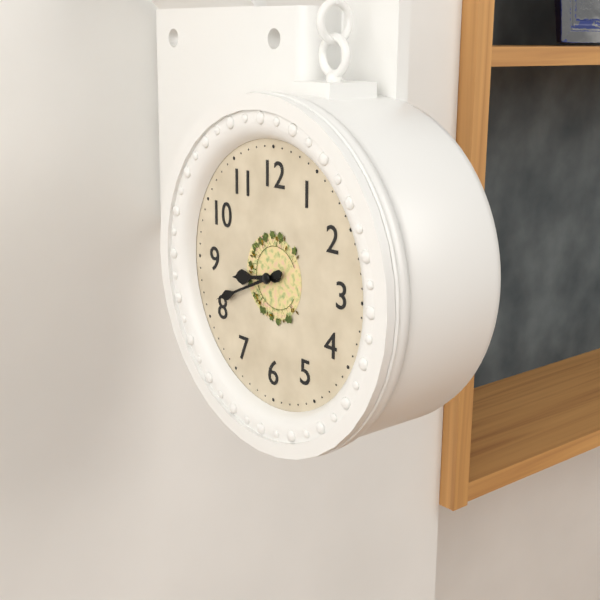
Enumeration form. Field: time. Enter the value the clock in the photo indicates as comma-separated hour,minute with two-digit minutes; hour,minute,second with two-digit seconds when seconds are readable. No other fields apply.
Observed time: 8,41
